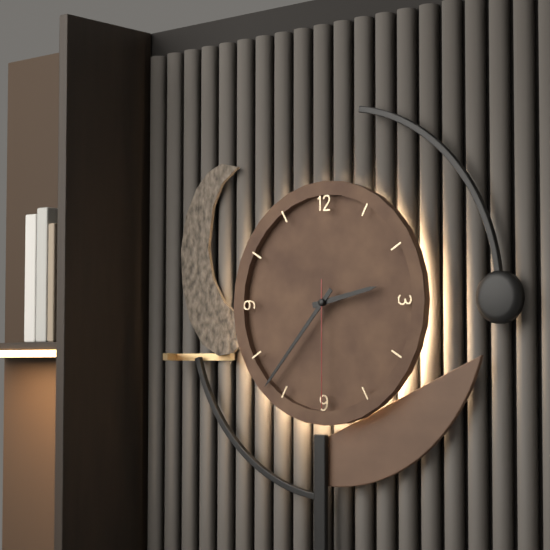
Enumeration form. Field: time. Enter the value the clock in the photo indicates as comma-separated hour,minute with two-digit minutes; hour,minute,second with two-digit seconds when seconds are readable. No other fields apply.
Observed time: 2,37,30
